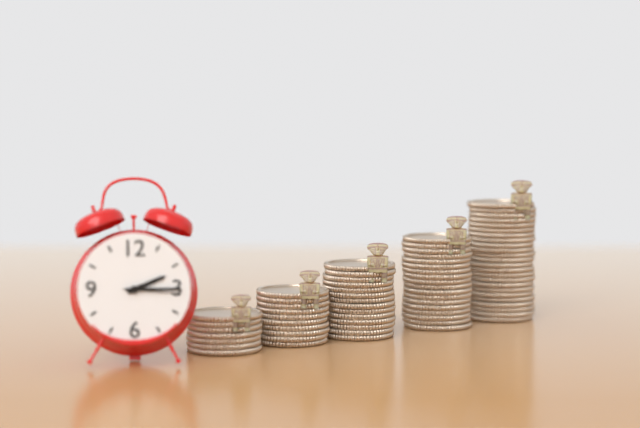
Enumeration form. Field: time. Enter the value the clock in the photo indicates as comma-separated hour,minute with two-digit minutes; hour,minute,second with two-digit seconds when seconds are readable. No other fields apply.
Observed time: 2,15,16
